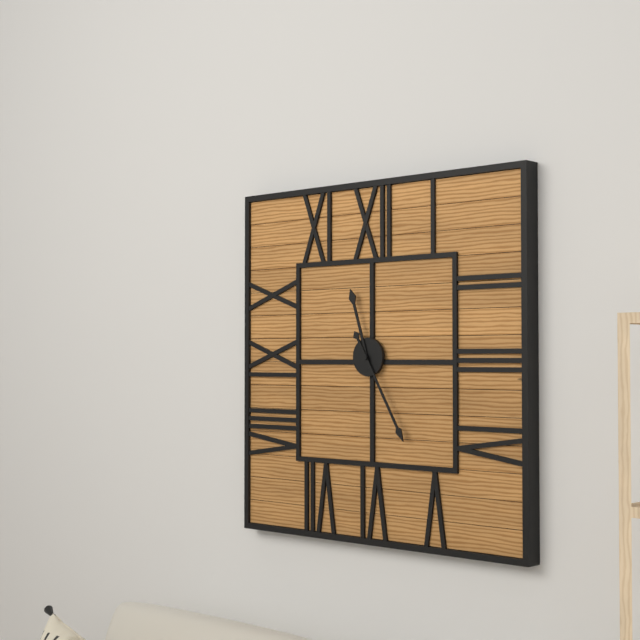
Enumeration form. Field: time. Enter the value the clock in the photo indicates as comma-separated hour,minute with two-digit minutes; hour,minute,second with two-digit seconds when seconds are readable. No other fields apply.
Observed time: 11,25
